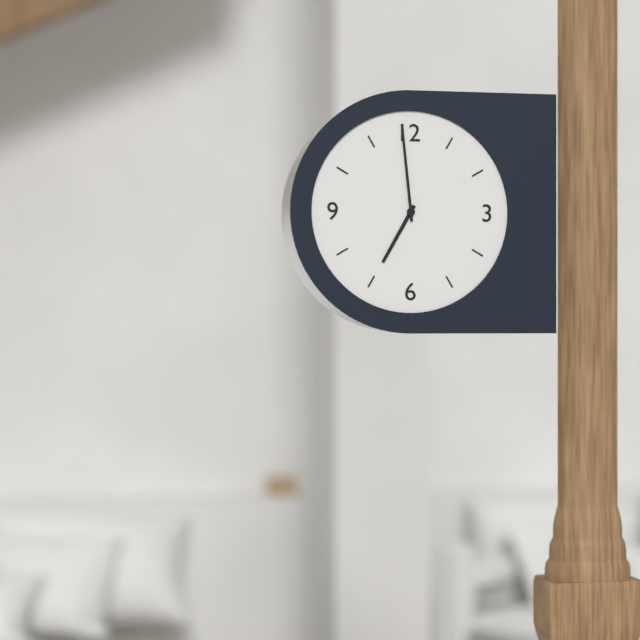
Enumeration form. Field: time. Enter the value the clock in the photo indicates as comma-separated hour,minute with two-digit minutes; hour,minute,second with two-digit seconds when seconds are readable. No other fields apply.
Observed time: 6,59
